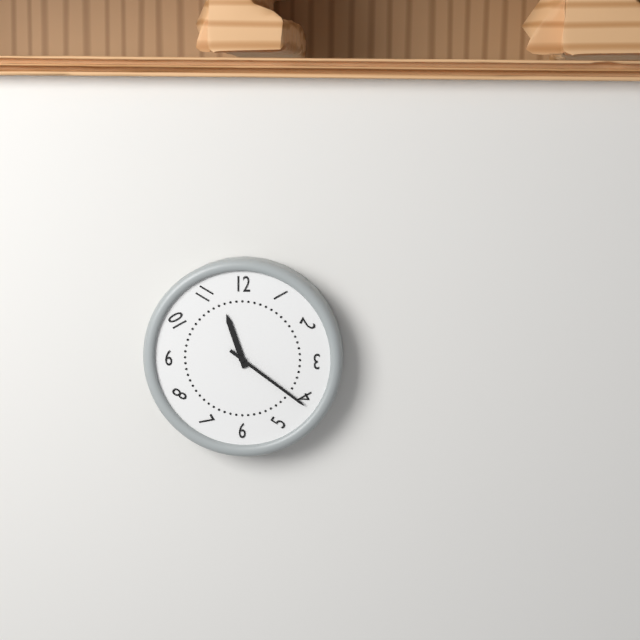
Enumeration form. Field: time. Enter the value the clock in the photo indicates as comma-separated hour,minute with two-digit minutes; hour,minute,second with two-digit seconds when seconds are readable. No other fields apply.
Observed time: 11,21
